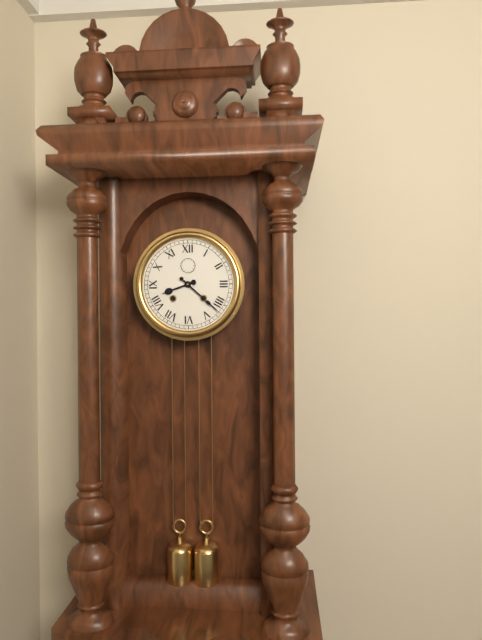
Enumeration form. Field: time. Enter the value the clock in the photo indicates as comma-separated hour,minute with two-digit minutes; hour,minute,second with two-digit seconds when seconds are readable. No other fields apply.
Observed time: 8,22
